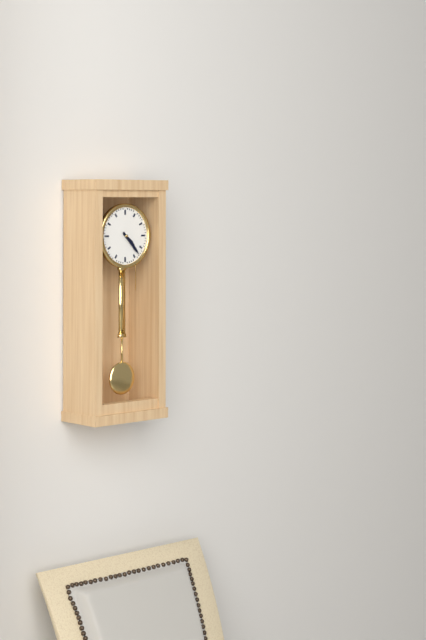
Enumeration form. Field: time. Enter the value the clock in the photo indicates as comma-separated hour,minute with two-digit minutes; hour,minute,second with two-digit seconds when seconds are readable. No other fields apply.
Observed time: 4,23
